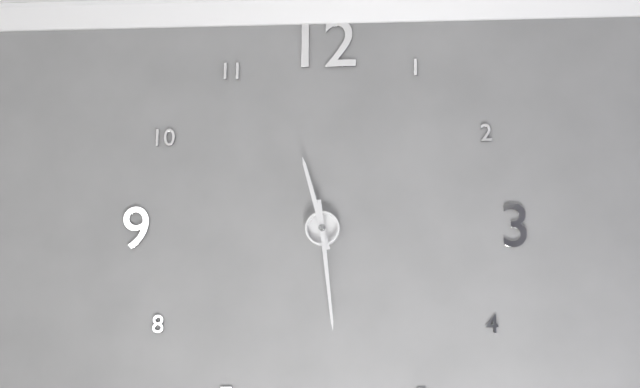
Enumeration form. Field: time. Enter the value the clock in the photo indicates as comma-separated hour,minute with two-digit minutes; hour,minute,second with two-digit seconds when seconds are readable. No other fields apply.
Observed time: 11,29
